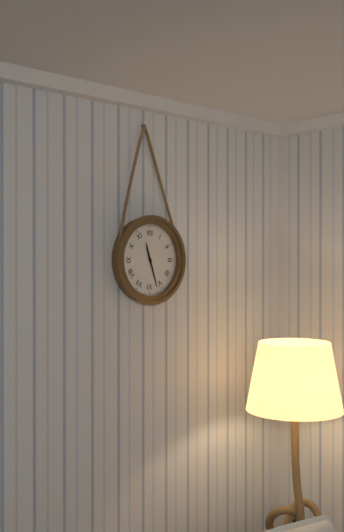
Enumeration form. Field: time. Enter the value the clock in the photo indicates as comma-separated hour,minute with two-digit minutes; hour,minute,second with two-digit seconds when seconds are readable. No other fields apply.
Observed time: 11,27
